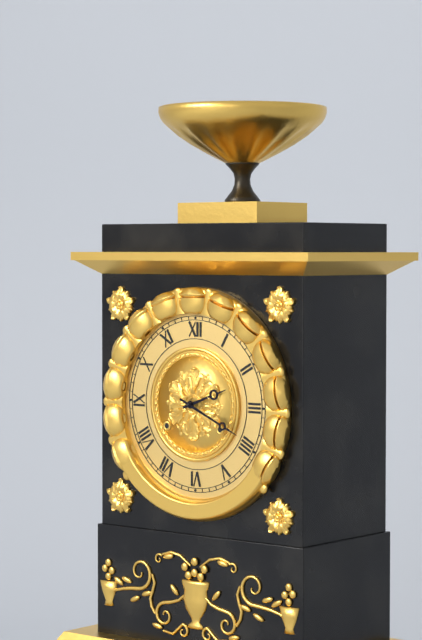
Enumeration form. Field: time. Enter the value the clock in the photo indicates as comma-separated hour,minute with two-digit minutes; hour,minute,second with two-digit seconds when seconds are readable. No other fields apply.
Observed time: 2,19
